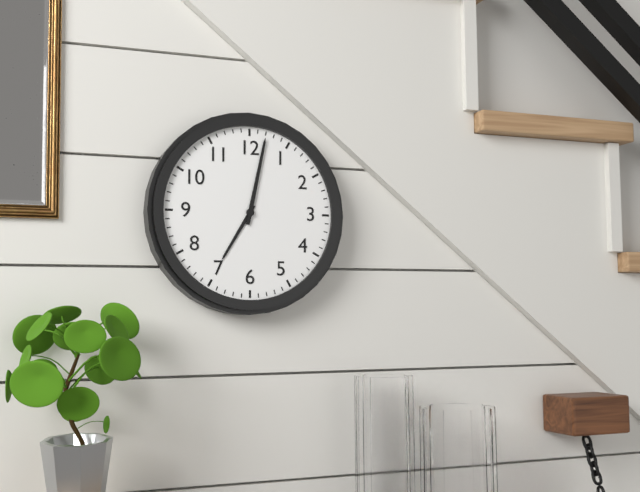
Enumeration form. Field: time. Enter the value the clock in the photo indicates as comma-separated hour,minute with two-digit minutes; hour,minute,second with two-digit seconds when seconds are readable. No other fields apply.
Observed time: 7,02
